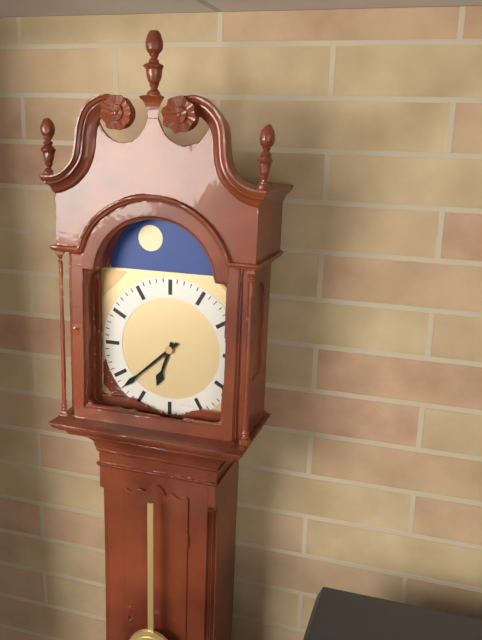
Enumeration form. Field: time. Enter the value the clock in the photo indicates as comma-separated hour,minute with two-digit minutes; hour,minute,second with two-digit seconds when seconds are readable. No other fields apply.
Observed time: 6,38
